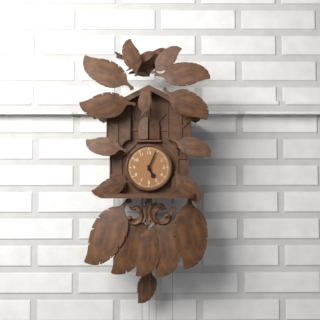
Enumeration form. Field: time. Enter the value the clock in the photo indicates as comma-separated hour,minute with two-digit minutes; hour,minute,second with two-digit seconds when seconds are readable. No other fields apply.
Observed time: 5,04
